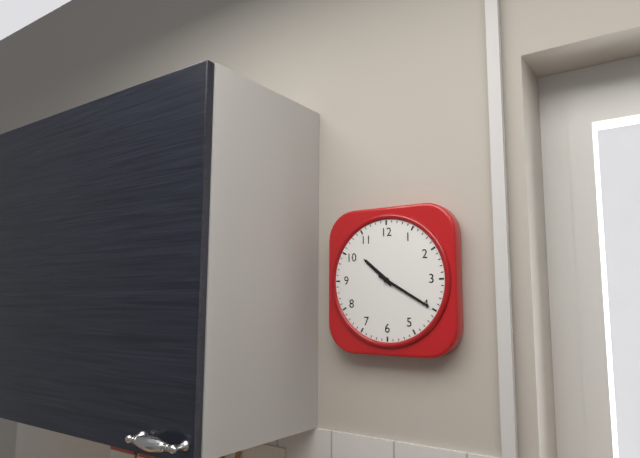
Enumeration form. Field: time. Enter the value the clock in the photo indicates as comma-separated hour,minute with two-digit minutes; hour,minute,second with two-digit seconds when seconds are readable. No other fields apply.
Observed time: 10,20
